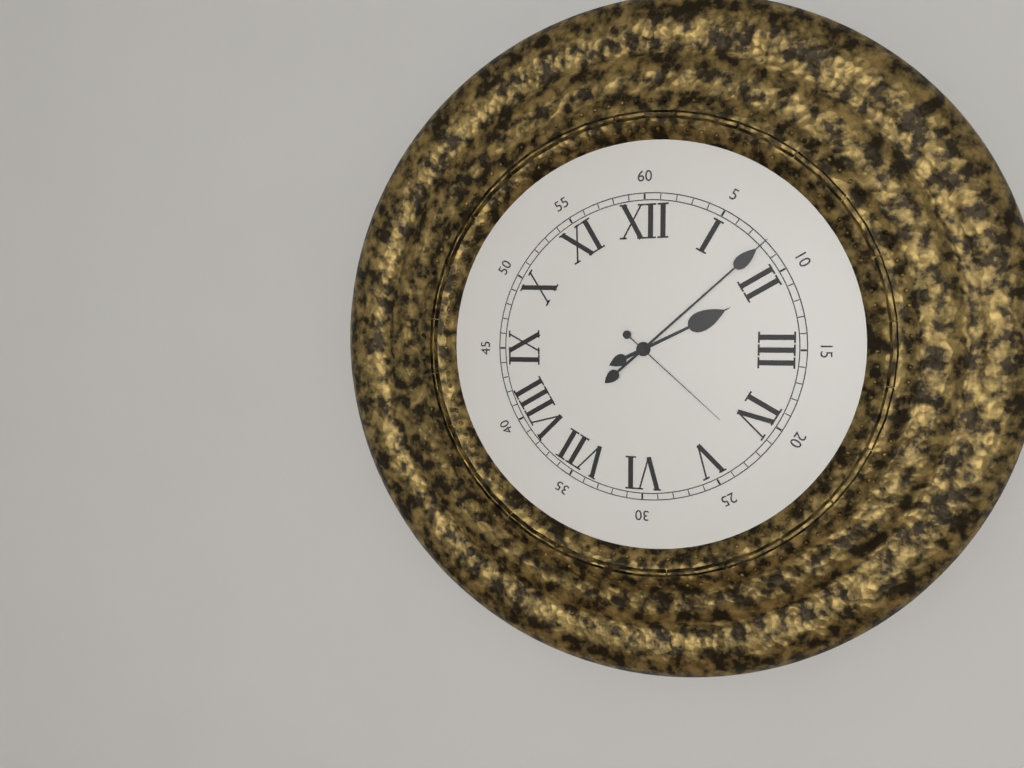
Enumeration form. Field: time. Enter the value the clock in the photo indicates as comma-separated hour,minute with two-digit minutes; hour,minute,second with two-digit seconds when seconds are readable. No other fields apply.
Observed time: 2,08,22
